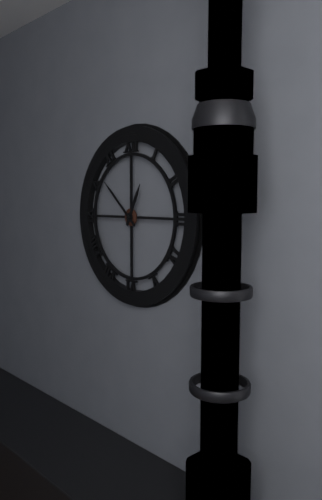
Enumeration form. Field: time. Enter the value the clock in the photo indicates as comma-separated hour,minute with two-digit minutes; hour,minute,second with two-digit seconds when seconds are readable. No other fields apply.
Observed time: 12,52
